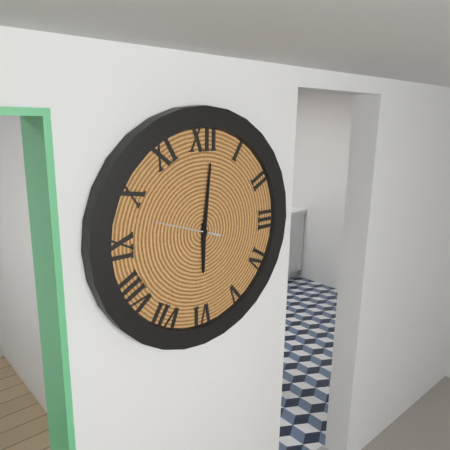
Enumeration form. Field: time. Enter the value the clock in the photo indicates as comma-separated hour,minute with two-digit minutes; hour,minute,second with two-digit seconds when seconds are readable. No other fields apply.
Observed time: 6,01
